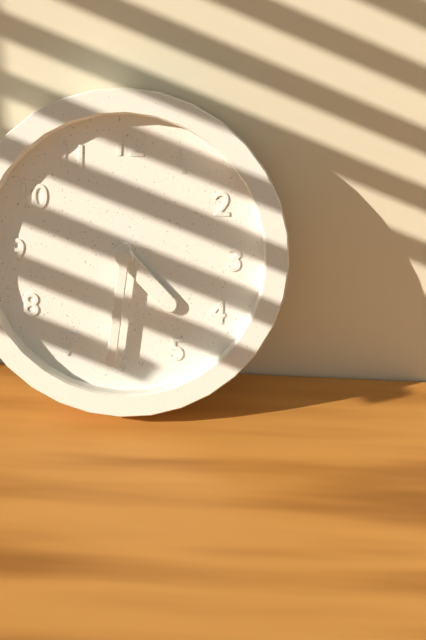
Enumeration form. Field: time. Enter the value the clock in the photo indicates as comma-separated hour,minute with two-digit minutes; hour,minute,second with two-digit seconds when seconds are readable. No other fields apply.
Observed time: 4,31
